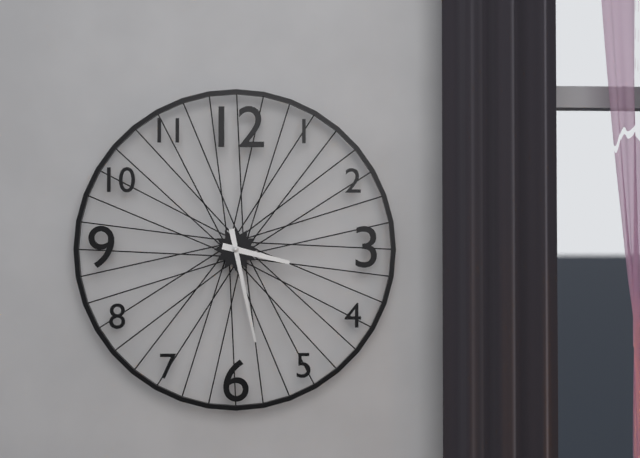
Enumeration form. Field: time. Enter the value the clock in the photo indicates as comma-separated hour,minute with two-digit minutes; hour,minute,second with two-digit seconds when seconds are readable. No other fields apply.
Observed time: 3,28
